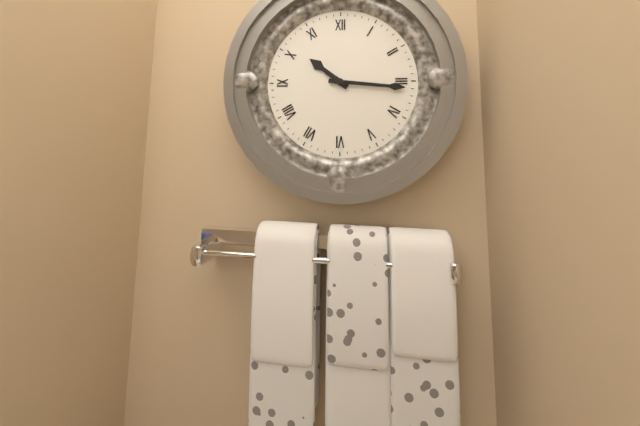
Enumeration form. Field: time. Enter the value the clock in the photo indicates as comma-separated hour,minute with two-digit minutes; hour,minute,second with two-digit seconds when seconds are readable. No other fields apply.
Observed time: 10,16
